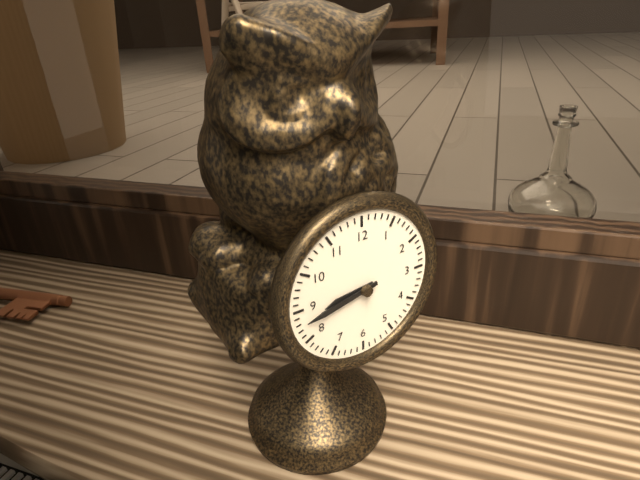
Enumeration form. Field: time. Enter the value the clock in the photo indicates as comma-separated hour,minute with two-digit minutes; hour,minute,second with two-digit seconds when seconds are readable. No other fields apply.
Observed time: 8,43
